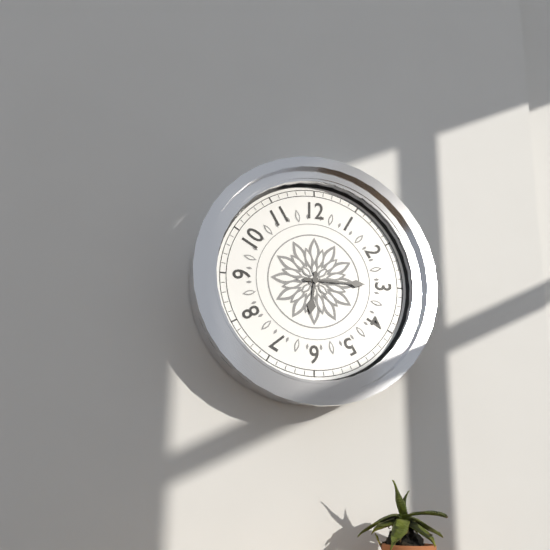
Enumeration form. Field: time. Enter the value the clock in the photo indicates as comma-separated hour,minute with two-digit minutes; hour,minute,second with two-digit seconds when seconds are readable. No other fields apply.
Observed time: 6,15
